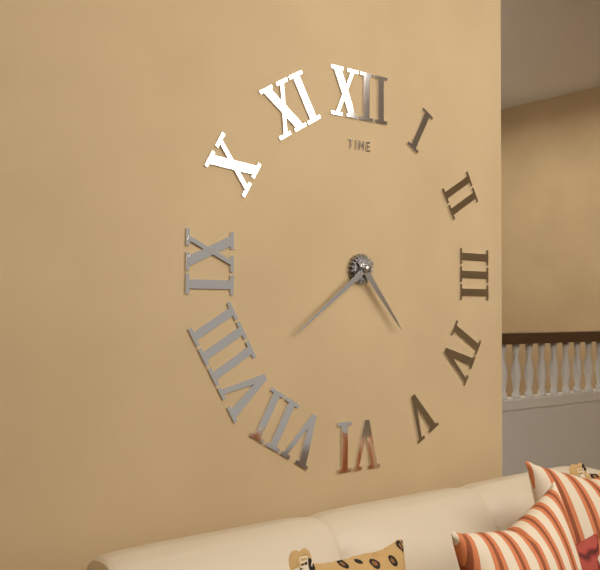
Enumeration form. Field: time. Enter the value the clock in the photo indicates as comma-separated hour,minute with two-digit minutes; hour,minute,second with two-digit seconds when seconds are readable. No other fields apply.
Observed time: 4,39
